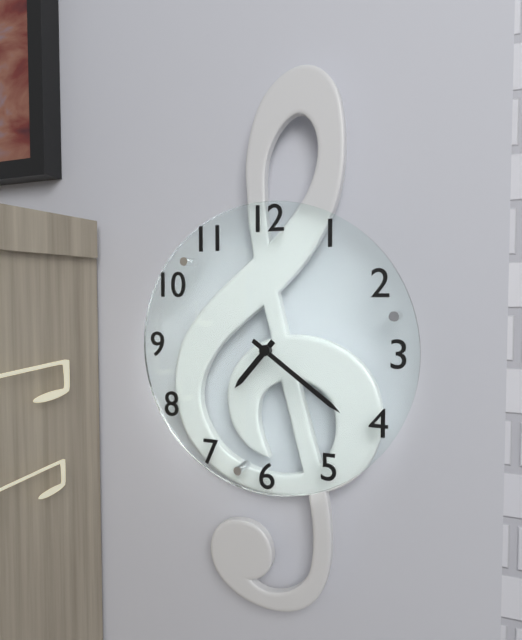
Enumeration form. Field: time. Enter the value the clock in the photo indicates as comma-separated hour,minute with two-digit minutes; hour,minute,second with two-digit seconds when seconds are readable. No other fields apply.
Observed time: 7,21
